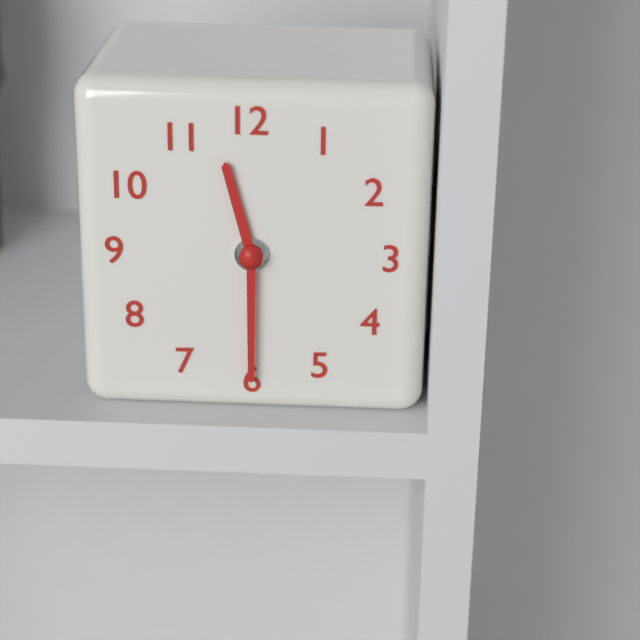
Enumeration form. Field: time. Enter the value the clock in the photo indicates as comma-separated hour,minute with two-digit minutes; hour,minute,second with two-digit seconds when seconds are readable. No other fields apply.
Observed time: 11,30
